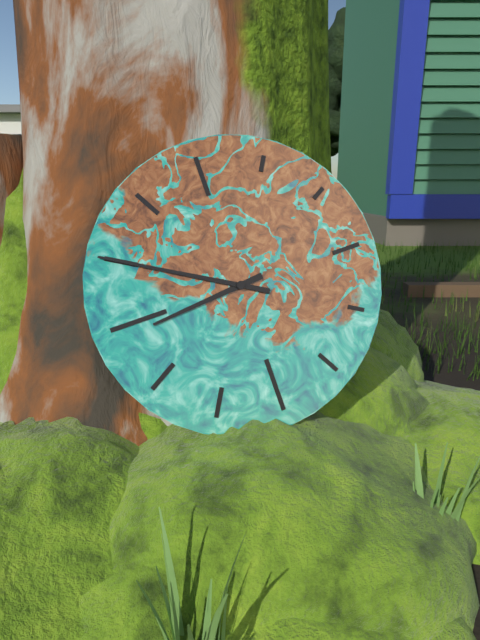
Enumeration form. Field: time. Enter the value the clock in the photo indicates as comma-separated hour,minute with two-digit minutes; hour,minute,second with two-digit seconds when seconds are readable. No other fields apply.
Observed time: 8,50
